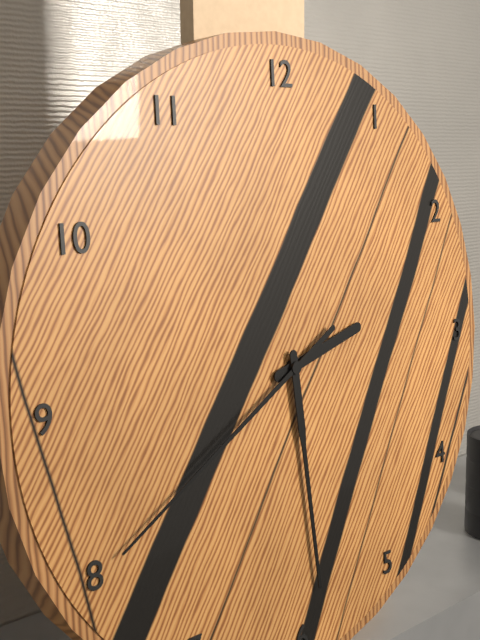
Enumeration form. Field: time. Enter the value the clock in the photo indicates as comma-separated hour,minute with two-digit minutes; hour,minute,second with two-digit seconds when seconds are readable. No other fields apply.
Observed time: 2,29,40
